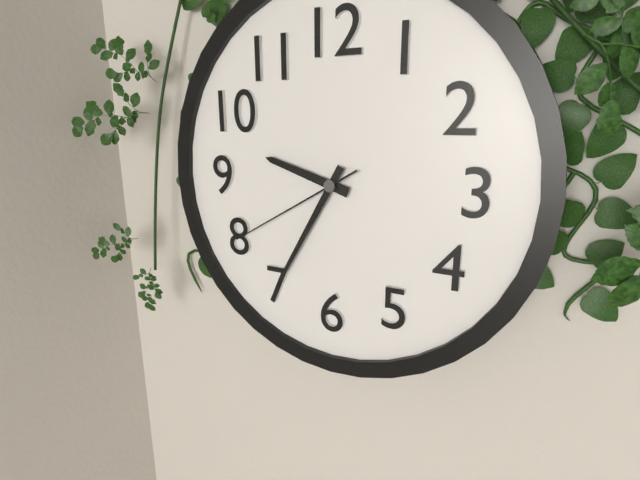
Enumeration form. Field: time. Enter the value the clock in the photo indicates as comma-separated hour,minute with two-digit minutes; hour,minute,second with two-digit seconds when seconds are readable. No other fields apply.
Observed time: 9,35,40
